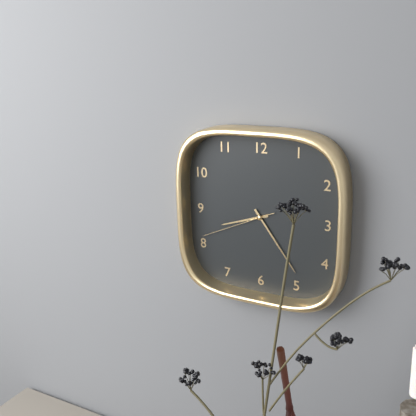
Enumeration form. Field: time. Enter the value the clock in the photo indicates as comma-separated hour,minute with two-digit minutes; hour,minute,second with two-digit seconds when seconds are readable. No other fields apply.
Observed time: 8,24,41
